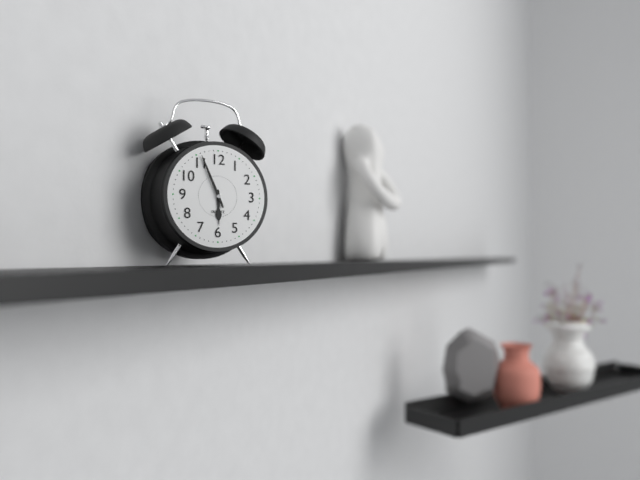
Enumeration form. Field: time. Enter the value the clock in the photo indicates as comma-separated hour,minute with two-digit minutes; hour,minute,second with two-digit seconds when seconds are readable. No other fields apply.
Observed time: 5,56
